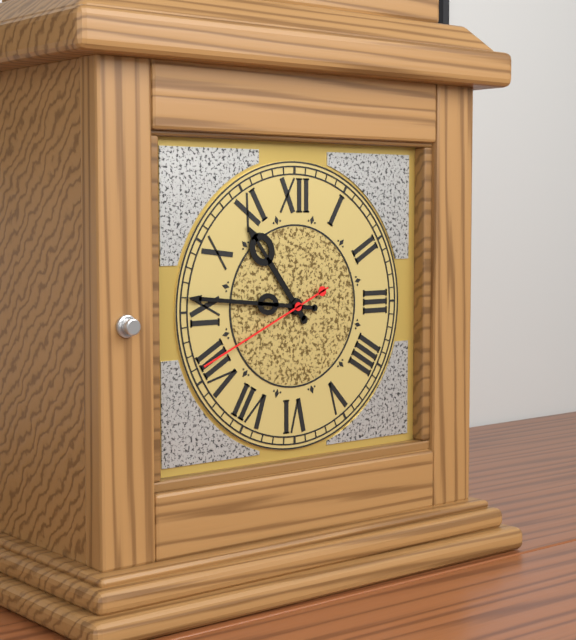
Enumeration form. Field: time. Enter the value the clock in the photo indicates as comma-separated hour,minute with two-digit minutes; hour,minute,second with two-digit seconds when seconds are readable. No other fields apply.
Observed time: 10,46,41
